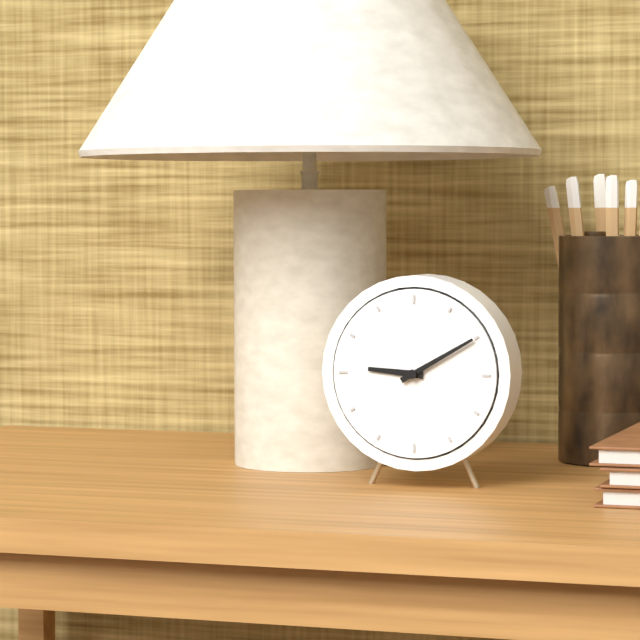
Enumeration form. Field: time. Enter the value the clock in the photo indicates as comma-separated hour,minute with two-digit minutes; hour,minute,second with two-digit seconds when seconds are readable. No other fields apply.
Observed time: 9,10
